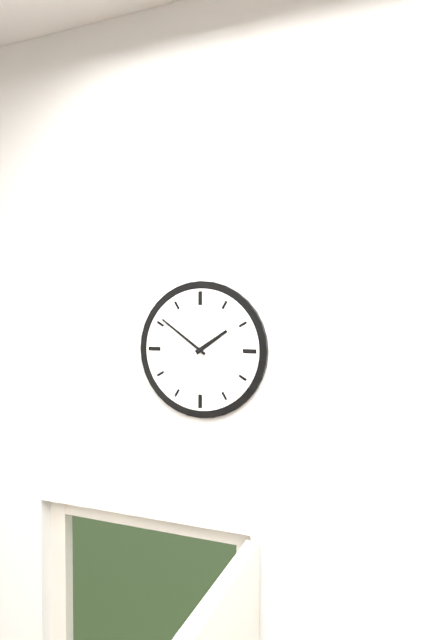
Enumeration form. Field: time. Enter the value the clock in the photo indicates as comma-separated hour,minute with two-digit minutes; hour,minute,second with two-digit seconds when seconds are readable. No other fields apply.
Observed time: 1,51
